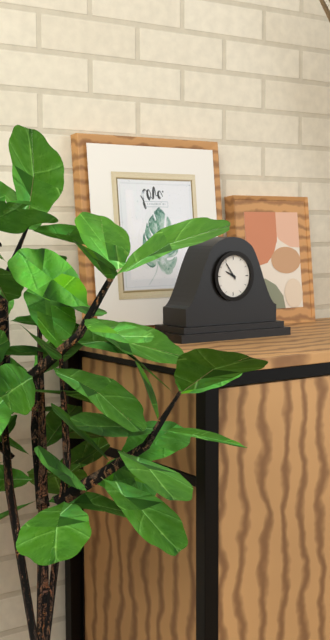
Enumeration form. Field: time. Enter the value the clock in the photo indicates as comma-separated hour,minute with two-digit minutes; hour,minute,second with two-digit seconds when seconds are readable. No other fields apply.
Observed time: 9,54
